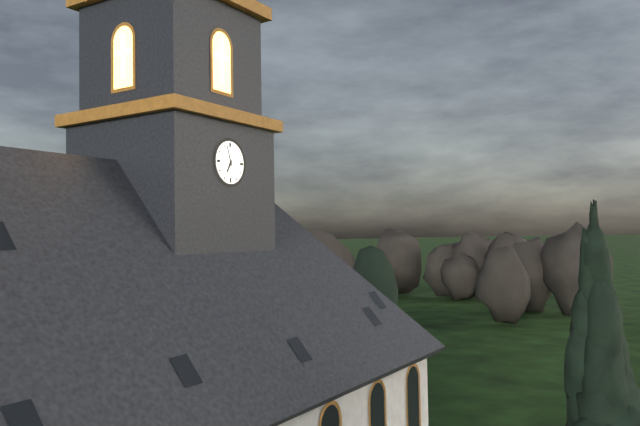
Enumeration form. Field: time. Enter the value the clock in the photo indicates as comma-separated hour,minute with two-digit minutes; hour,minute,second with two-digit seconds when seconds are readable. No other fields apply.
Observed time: 6,57
